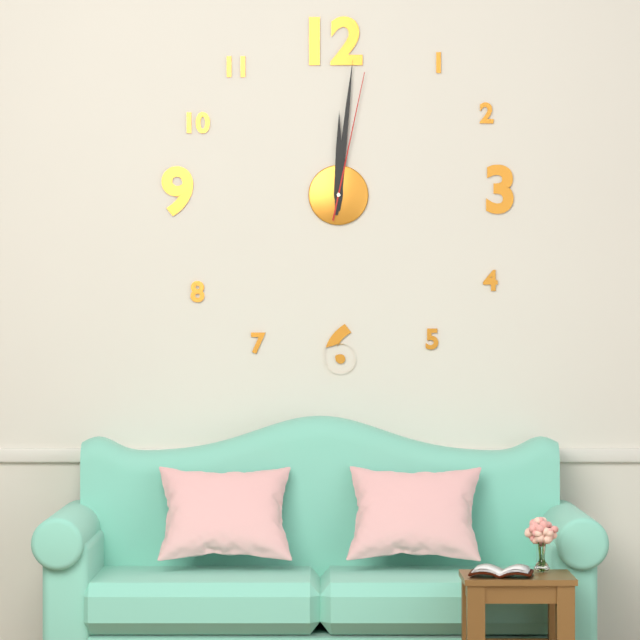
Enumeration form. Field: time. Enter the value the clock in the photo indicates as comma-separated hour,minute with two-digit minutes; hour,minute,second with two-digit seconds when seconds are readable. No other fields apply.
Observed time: 12,01,02
